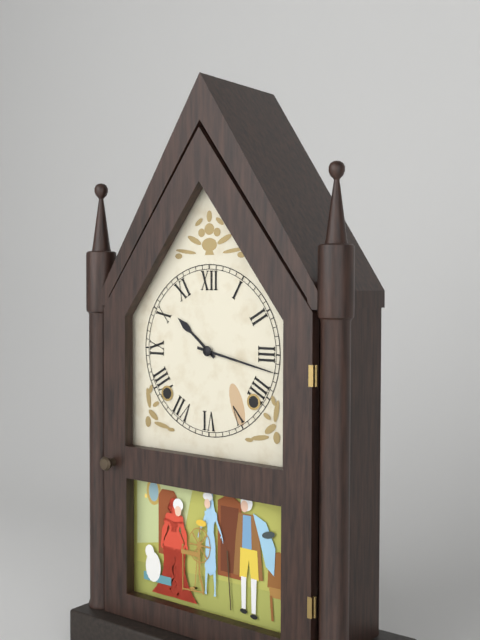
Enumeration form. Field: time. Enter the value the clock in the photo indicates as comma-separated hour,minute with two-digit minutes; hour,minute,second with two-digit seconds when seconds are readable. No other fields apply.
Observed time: 10,17
